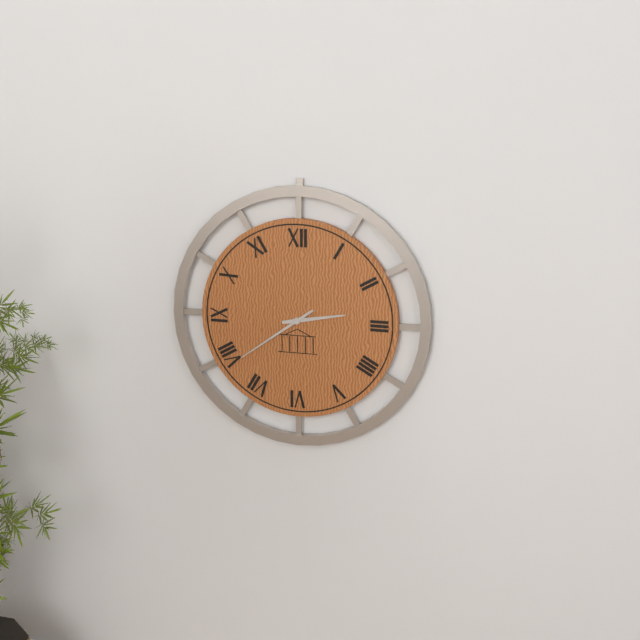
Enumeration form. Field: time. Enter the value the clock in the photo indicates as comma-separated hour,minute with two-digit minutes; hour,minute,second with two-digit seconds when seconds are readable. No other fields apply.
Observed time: 2,39
